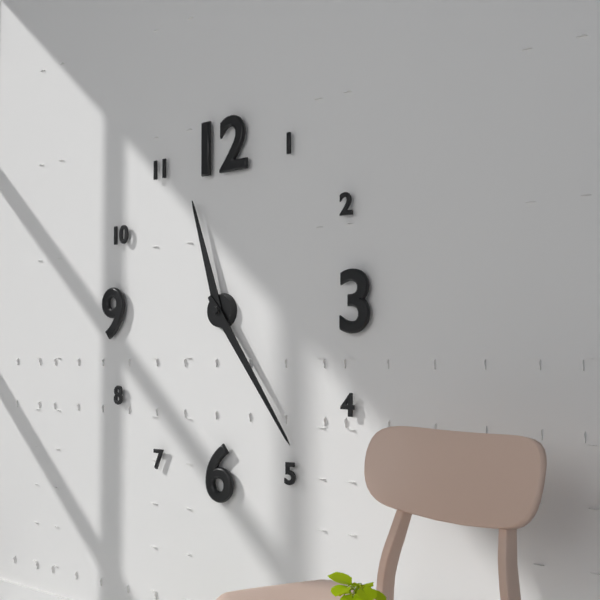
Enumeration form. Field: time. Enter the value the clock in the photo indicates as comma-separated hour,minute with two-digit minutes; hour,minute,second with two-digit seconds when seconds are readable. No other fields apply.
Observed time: 11,24
